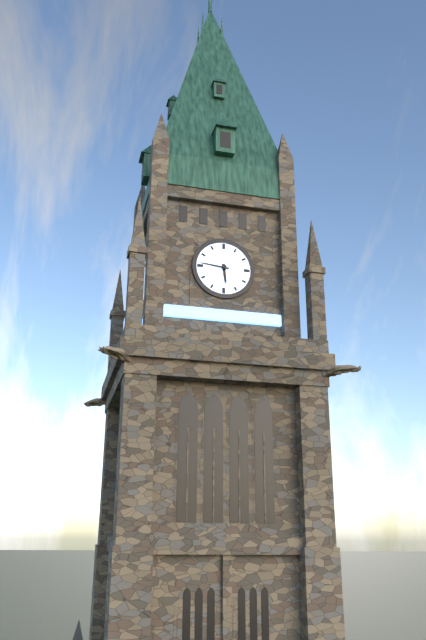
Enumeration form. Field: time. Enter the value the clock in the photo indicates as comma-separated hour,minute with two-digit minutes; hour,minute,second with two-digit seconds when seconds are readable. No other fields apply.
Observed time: 5,46
